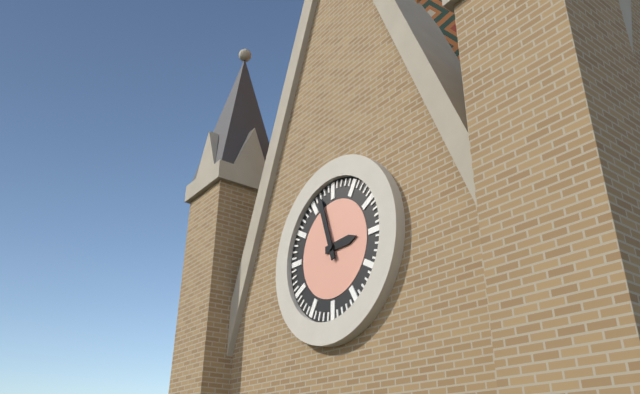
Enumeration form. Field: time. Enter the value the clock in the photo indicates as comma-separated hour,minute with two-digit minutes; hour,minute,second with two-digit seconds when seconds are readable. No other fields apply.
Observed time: 2,57
